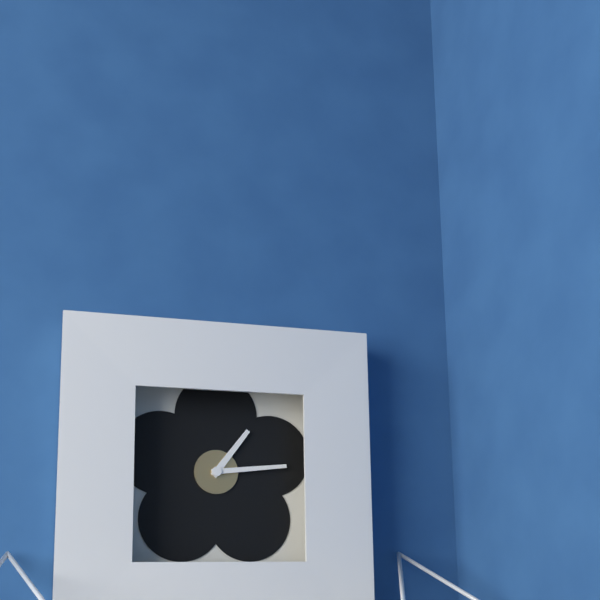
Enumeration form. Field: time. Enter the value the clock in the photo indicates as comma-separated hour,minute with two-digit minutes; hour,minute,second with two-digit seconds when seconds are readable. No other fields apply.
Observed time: 1,14
